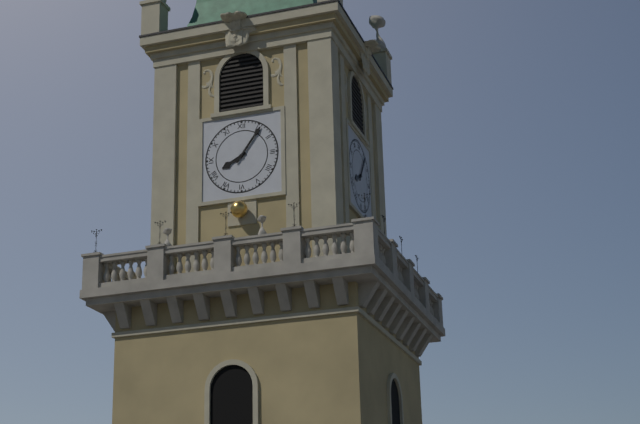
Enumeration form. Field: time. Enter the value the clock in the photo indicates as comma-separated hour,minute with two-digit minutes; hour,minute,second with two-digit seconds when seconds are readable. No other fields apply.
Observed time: 8,06
